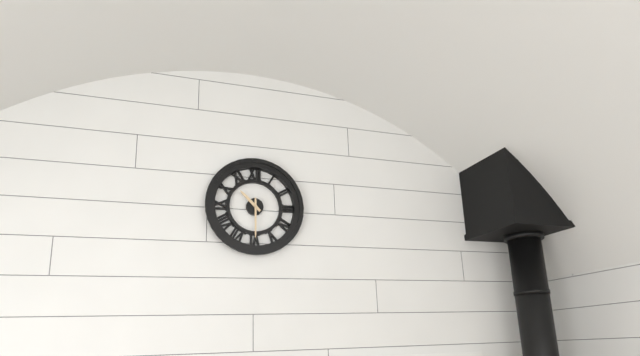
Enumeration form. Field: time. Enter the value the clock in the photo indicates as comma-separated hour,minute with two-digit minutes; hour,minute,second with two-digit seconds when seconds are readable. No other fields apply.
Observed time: 10,30
